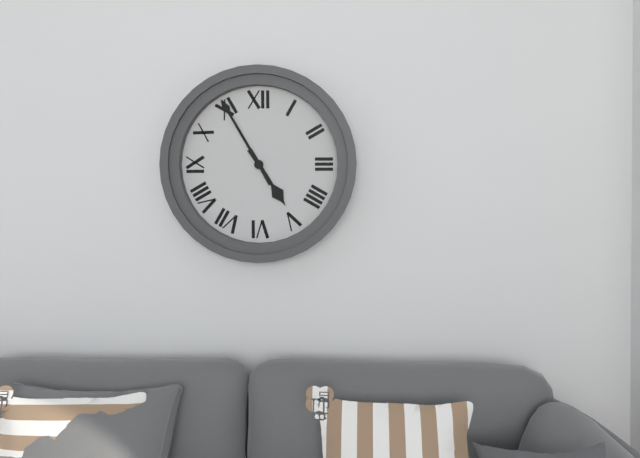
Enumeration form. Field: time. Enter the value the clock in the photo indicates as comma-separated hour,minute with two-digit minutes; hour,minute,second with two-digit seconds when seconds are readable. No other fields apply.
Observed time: 4,55
